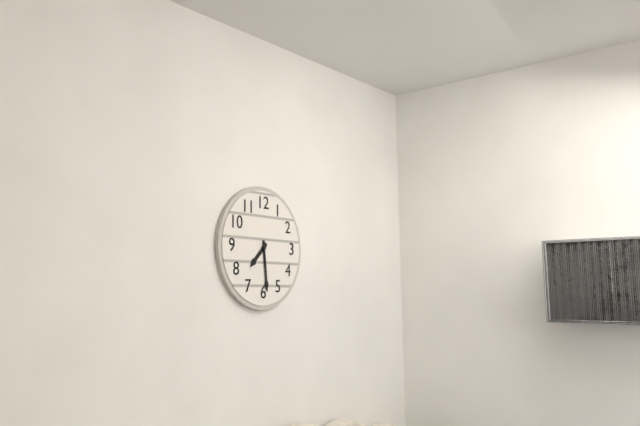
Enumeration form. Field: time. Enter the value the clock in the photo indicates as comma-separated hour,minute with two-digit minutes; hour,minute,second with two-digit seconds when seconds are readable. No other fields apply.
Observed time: 7,29
